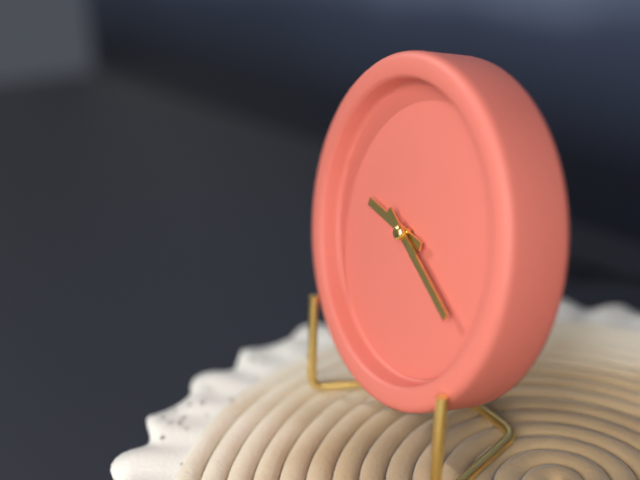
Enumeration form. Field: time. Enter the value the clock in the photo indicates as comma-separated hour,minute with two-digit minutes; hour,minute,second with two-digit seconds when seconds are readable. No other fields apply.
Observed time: 9,20
